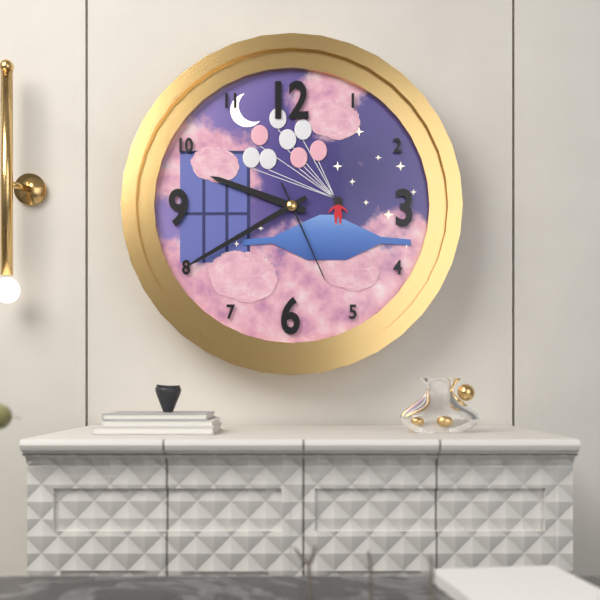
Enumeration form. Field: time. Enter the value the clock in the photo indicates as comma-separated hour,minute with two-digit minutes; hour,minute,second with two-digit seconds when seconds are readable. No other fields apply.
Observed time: 9,40,26
